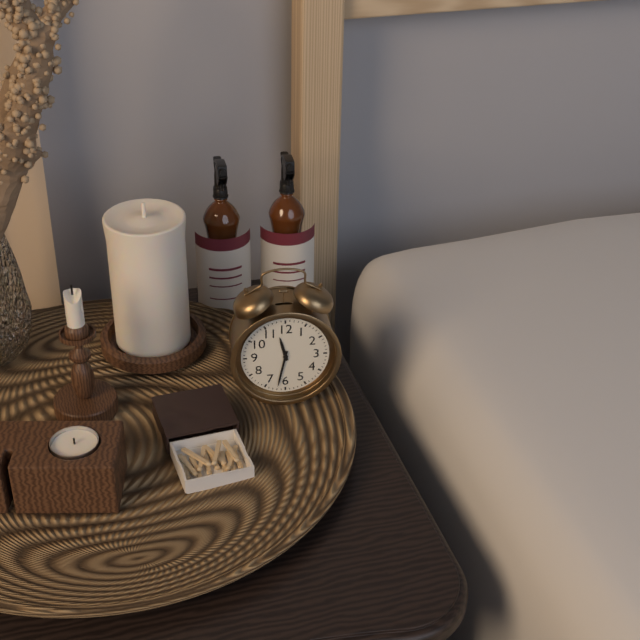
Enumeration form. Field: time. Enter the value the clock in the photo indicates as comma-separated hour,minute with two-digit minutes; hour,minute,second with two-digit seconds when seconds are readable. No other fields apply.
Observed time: 11,32
